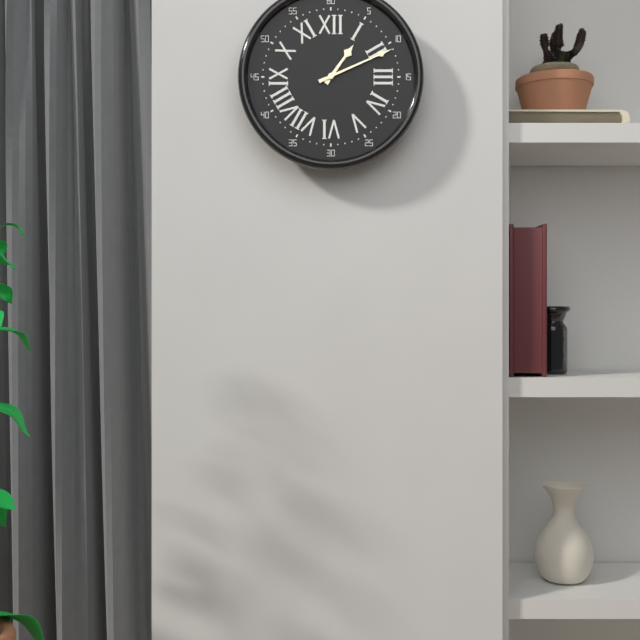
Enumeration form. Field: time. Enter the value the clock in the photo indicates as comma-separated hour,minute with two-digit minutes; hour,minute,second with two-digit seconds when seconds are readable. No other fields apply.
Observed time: 1,11
